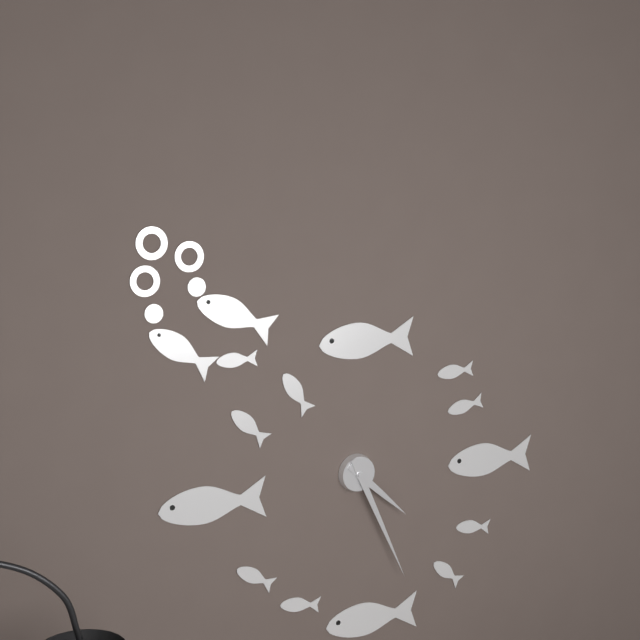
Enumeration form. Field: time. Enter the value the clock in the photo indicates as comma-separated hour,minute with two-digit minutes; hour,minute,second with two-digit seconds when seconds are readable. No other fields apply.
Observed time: 4,26
